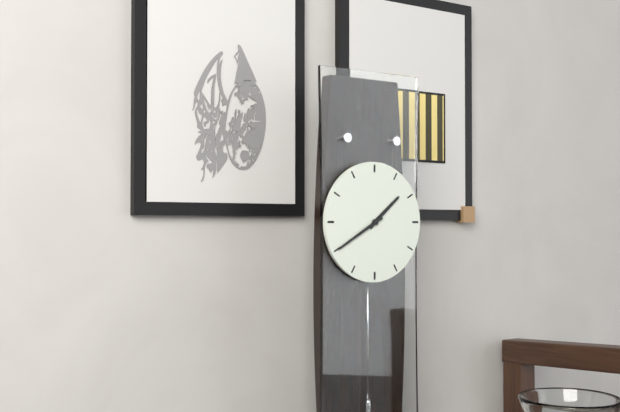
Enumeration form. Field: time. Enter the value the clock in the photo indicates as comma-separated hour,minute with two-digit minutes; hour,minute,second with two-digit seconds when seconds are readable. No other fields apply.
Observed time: 1,40
